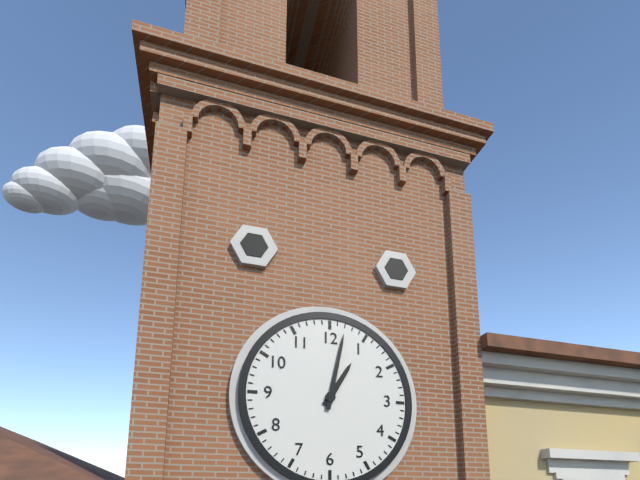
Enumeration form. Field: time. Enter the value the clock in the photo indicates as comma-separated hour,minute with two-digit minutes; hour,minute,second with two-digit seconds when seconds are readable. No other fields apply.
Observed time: 1,02
